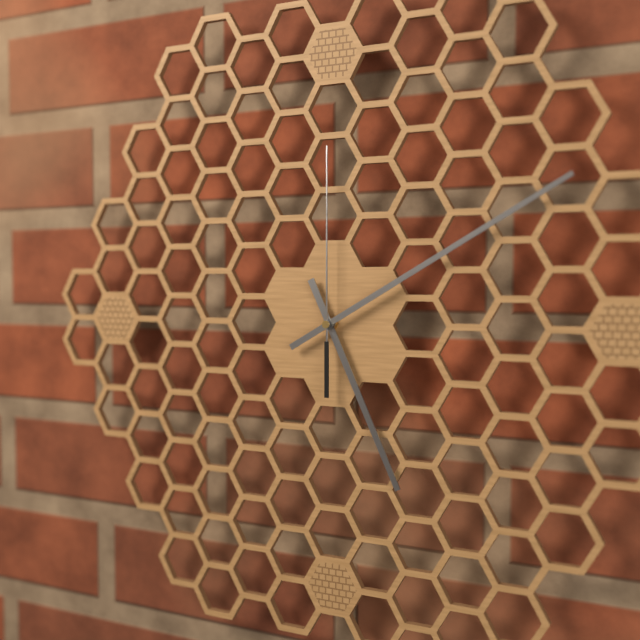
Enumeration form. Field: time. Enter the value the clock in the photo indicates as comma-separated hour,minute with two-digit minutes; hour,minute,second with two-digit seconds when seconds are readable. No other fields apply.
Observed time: 5,10,00
